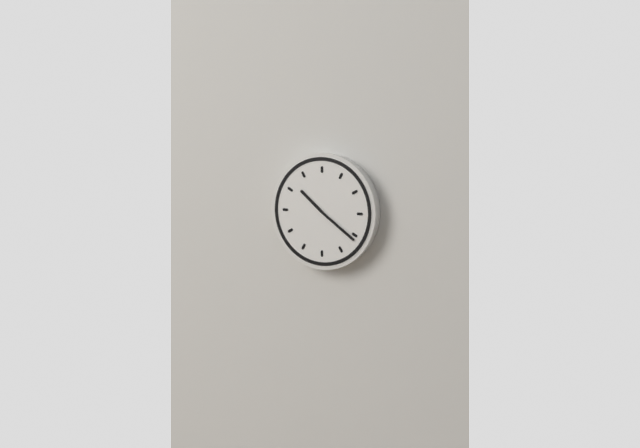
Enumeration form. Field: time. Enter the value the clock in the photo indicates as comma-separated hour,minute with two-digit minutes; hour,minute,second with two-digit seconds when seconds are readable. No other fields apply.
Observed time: 10,21
